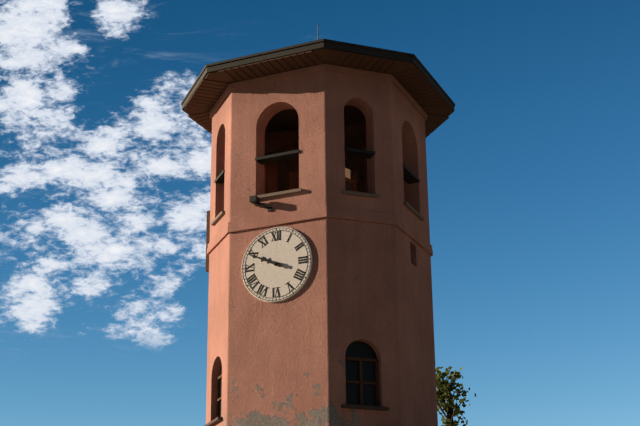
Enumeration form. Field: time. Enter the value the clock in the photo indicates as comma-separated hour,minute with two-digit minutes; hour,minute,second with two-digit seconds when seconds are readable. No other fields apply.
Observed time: 9,49
